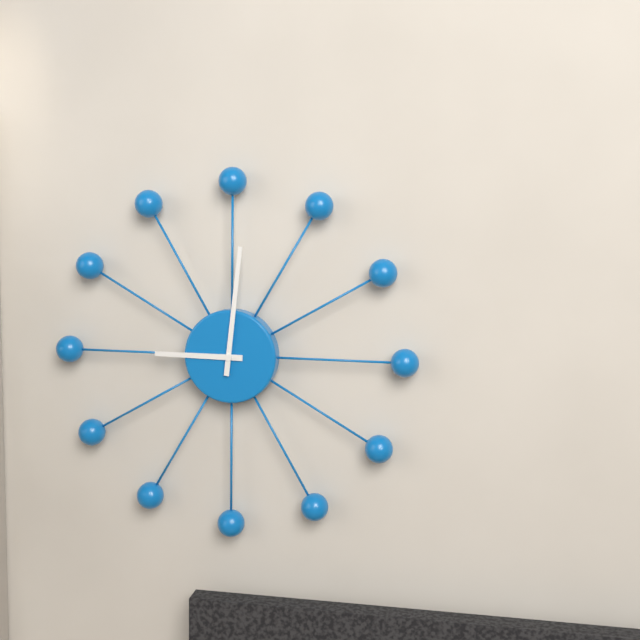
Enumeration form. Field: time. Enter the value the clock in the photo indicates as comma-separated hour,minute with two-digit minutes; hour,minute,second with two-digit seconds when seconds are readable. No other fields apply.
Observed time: 9,01
